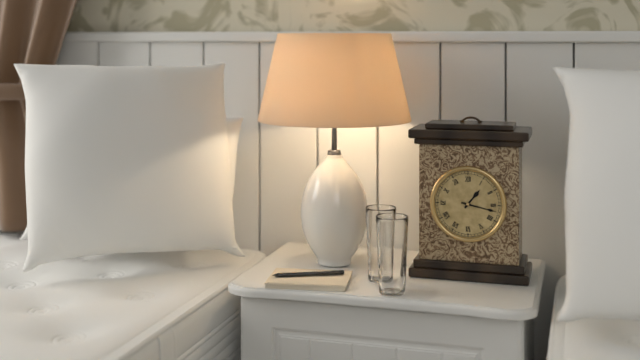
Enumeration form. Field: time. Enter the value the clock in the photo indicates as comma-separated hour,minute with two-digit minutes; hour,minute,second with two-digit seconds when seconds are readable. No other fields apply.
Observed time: 1,17
